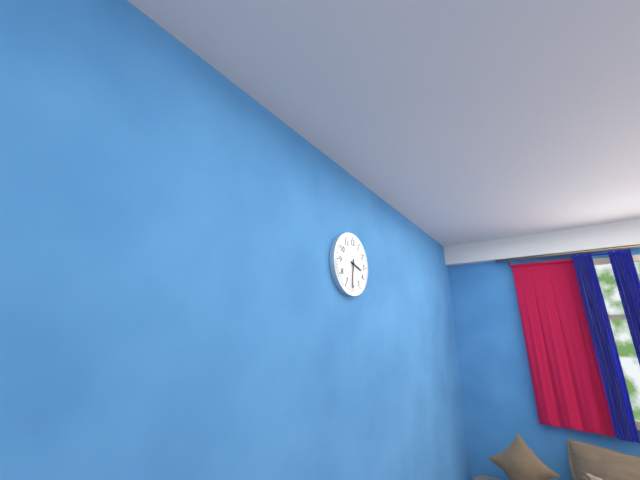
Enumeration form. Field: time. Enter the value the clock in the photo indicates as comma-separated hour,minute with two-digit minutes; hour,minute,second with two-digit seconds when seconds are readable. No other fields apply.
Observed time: 3,31
